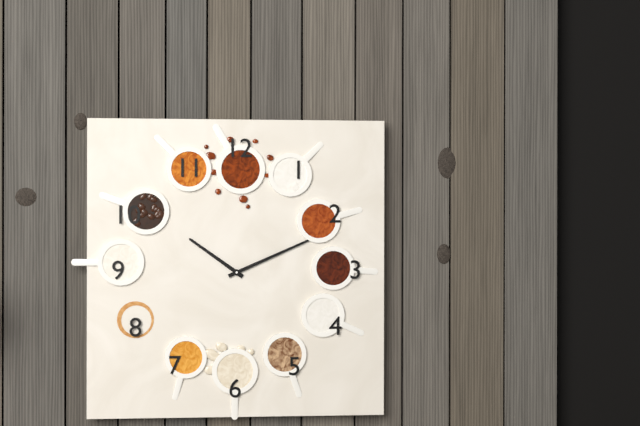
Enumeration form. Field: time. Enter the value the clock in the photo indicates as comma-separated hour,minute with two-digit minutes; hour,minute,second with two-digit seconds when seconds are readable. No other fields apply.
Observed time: 10,11
